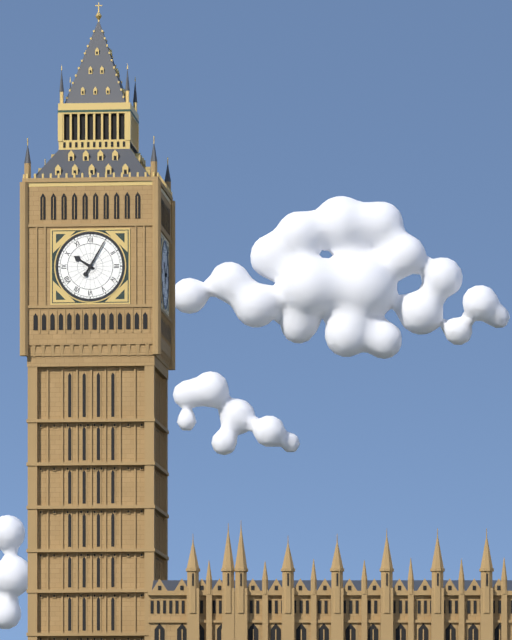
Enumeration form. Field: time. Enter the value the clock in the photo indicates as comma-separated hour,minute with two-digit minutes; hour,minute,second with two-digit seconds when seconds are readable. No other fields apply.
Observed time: 10,05
